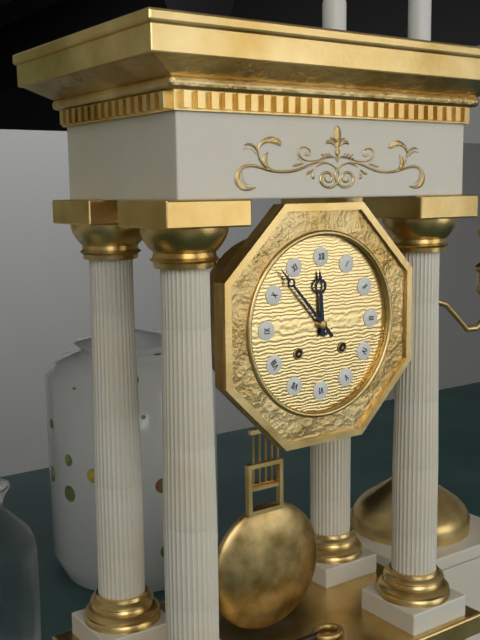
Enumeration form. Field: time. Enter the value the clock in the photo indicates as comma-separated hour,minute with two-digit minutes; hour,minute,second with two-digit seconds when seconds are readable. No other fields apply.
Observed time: 11,53
